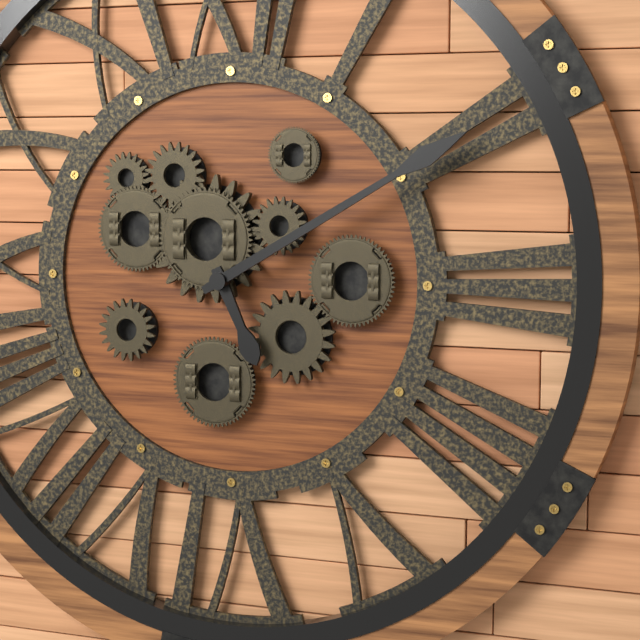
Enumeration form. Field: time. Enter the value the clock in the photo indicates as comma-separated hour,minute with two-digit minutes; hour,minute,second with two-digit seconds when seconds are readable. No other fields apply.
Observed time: 5,10
